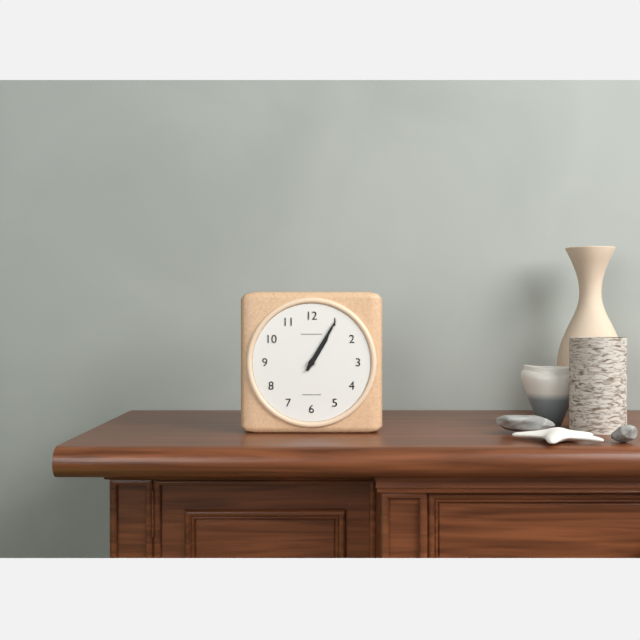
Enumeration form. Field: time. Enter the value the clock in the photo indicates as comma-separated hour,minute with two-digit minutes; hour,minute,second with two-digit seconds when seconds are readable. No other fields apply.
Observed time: 1,05
